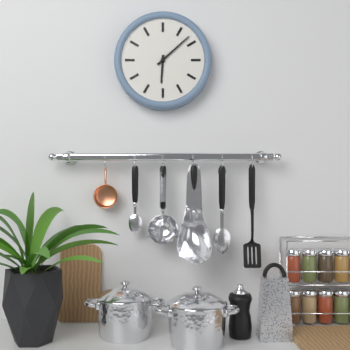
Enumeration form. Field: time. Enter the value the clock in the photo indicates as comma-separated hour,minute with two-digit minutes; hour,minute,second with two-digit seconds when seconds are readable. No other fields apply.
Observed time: 6,08
